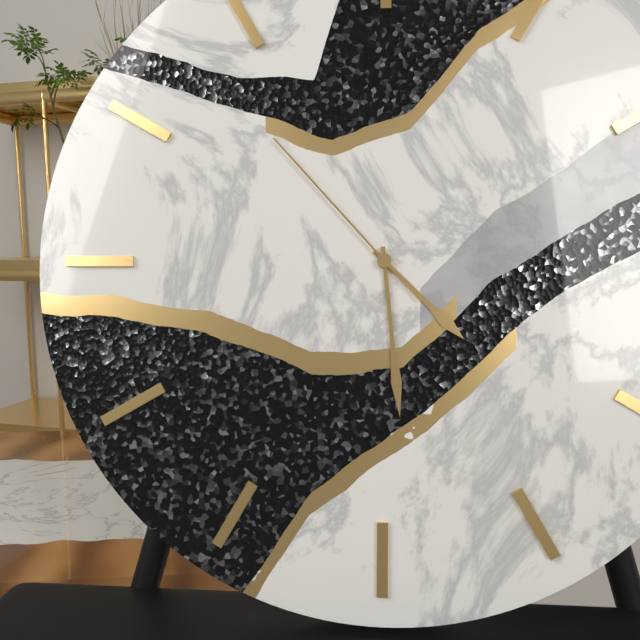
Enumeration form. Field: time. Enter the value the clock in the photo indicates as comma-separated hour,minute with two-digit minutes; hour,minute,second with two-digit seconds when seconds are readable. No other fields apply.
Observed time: 4,29,53
